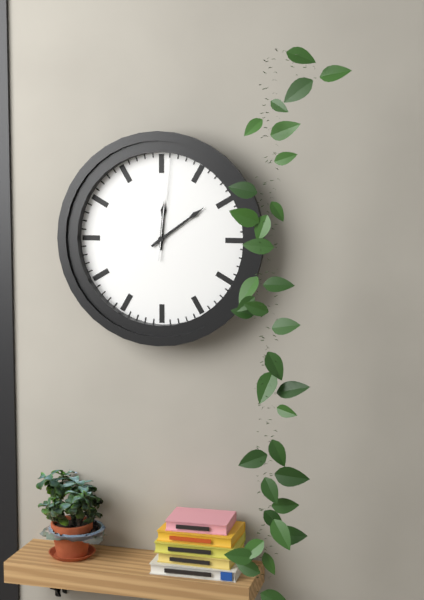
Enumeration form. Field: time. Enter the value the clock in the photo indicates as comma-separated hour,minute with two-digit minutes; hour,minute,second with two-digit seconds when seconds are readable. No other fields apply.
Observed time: 12,09,01
